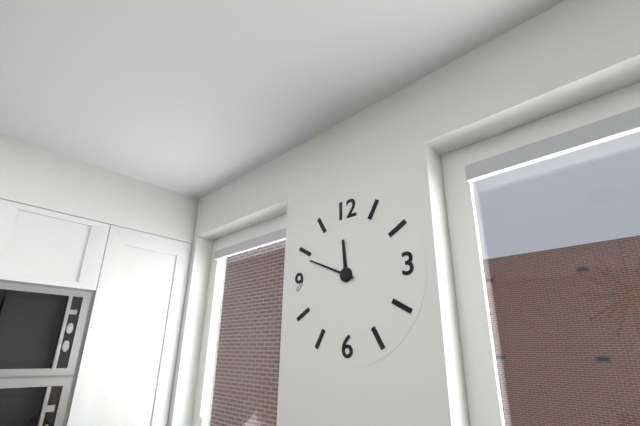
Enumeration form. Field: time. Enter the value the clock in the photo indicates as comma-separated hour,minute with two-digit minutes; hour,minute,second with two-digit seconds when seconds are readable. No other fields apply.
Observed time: 11,49
